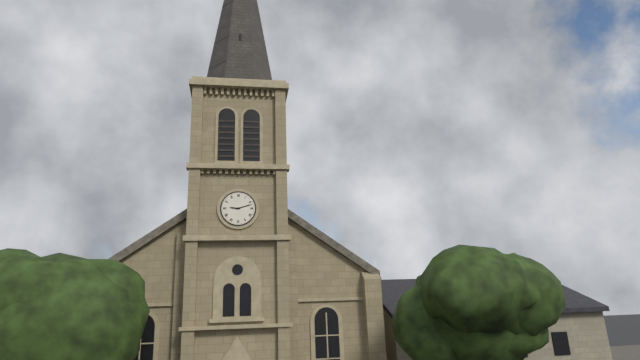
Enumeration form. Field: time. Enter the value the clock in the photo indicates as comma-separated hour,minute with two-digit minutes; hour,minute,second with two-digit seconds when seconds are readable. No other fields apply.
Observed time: 9,12
